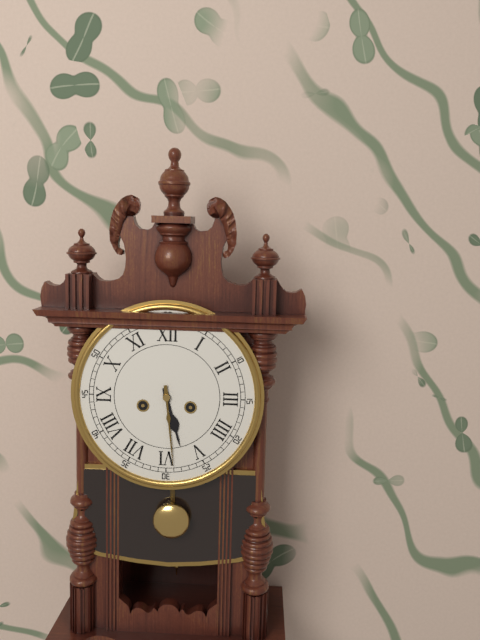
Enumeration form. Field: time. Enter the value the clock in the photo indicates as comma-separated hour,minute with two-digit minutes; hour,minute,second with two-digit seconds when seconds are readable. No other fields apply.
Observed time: 5,29
